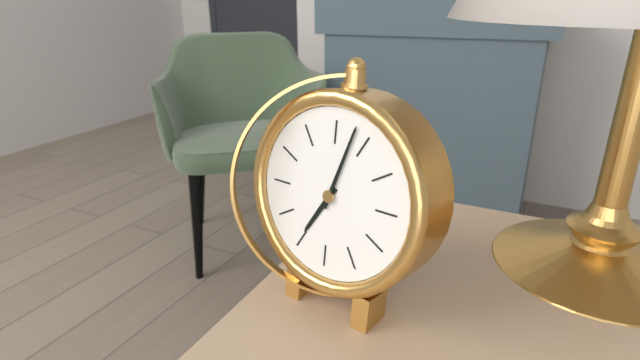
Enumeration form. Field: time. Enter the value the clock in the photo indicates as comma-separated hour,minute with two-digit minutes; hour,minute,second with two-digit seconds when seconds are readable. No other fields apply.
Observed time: 7,03
